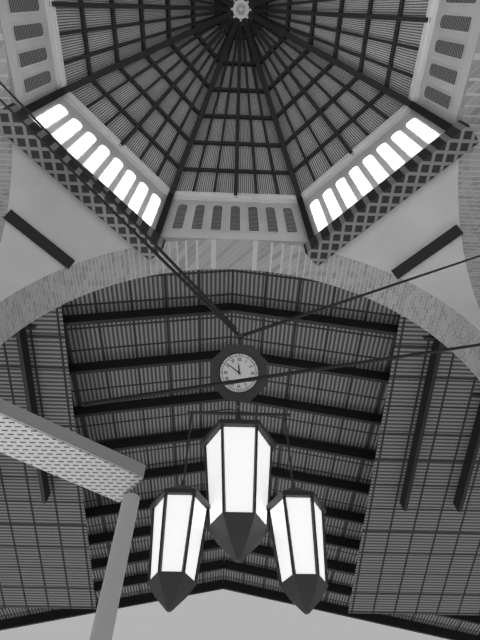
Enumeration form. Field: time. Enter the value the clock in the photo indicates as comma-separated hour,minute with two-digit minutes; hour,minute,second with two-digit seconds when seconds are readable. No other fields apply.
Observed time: 11,51
